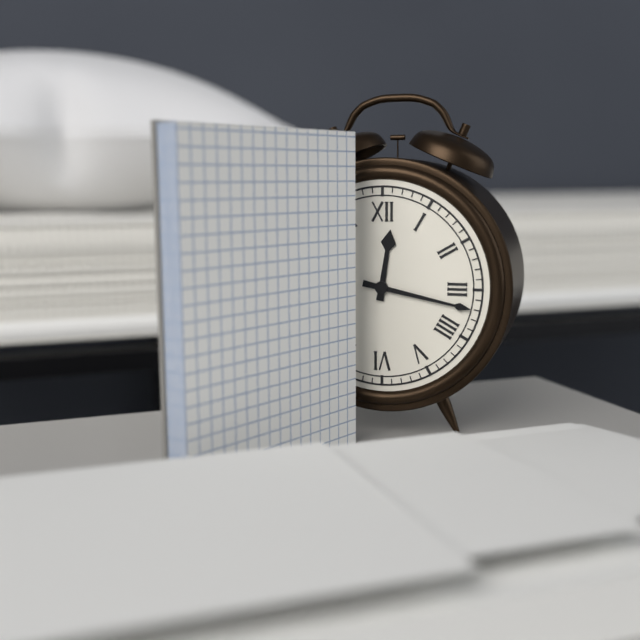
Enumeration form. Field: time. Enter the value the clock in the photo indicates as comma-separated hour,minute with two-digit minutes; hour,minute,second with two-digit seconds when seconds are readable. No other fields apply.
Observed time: 12,17
